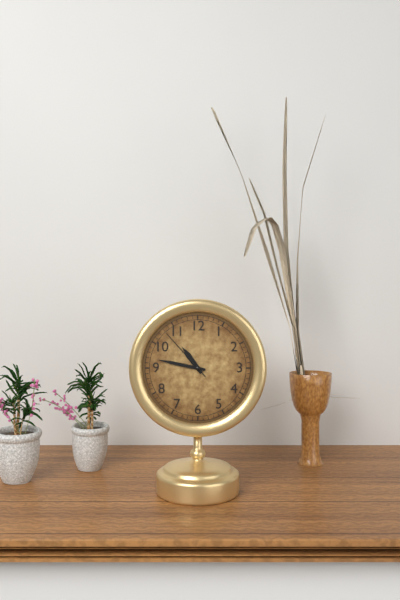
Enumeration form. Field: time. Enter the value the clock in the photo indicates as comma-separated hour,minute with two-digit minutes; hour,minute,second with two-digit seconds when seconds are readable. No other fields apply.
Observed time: 10,47,53
